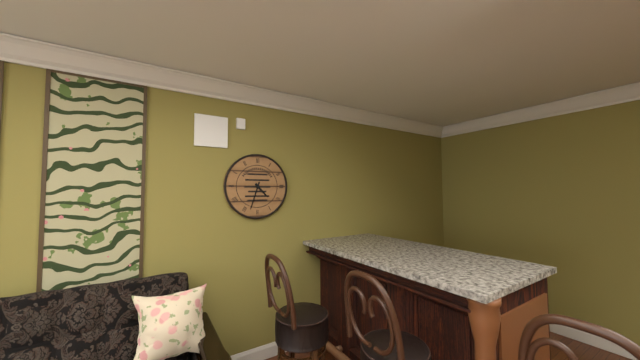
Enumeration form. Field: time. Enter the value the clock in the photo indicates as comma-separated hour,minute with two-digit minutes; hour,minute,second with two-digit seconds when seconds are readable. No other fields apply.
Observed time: 4,33
